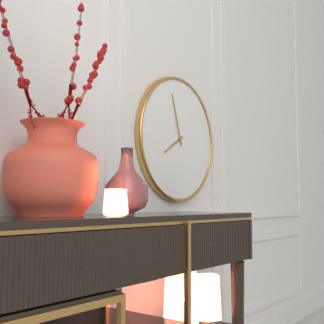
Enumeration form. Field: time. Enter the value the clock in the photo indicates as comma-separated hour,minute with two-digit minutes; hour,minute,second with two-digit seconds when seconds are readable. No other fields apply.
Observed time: 7,57
